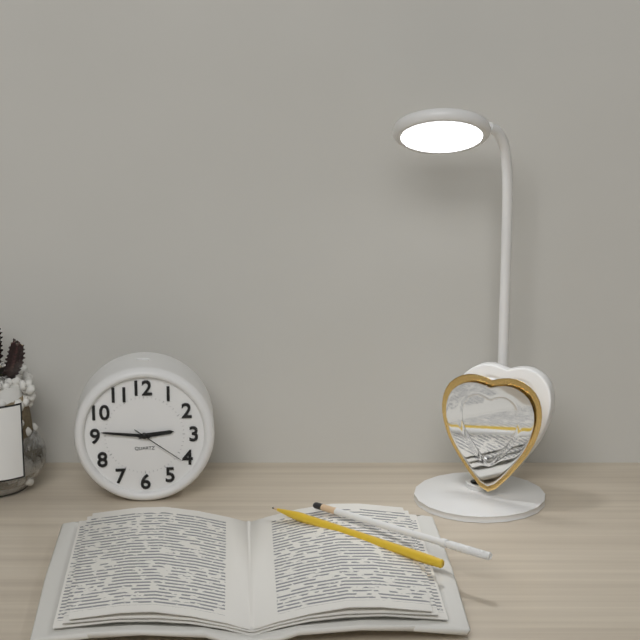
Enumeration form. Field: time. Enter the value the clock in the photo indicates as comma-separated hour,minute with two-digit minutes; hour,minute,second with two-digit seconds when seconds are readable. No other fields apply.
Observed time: 2,46,21
